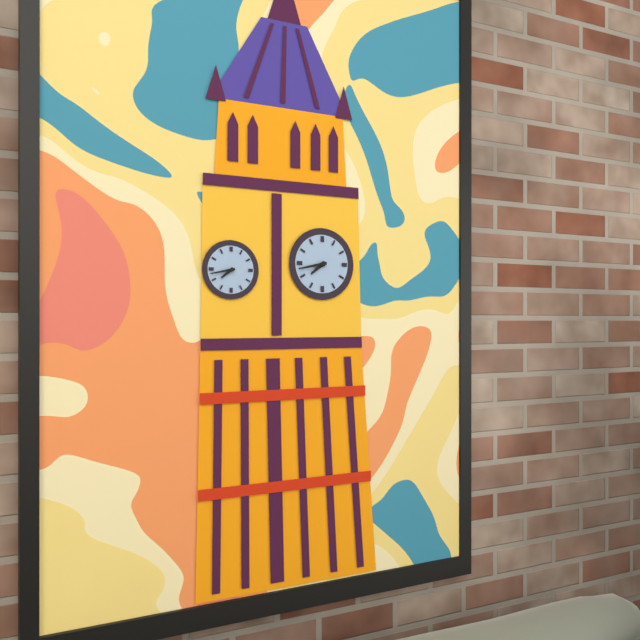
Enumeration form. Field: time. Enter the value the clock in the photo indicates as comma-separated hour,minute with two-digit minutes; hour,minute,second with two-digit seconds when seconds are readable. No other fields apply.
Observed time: 7,43
